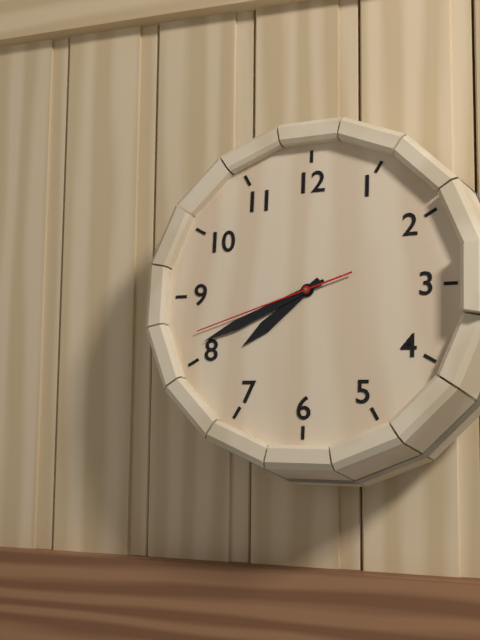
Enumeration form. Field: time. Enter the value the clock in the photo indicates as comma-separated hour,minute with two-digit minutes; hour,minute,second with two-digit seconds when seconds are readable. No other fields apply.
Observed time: 7,41,42
